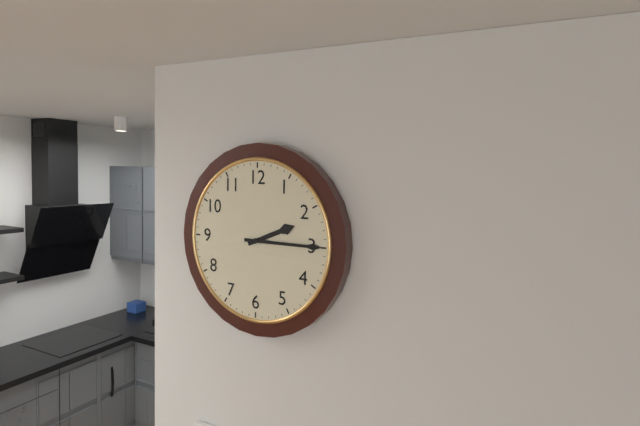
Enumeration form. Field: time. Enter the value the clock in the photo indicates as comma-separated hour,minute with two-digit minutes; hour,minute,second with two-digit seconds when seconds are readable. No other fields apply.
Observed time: 2,15
